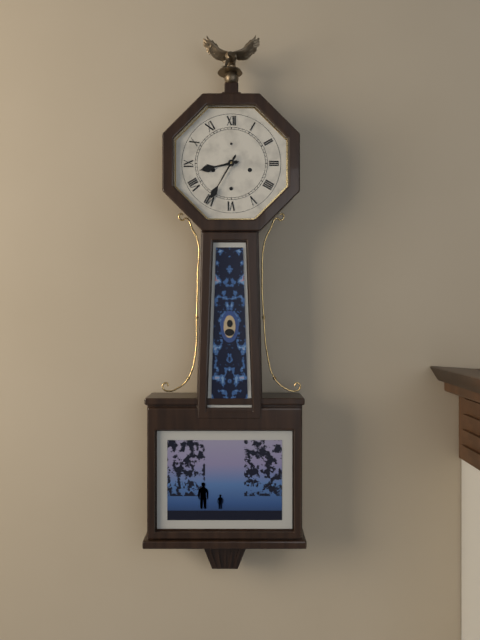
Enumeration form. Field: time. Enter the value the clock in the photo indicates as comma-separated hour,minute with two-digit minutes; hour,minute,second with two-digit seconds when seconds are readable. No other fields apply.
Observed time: 8,35
